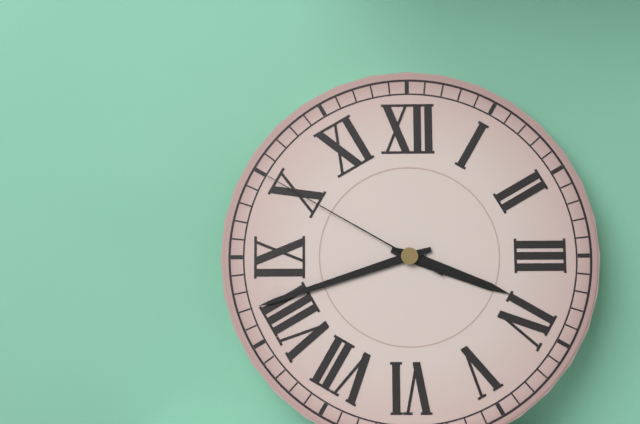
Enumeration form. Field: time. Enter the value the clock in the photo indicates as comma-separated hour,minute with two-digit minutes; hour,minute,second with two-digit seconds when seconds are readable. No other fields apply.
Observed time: 3,42,50
